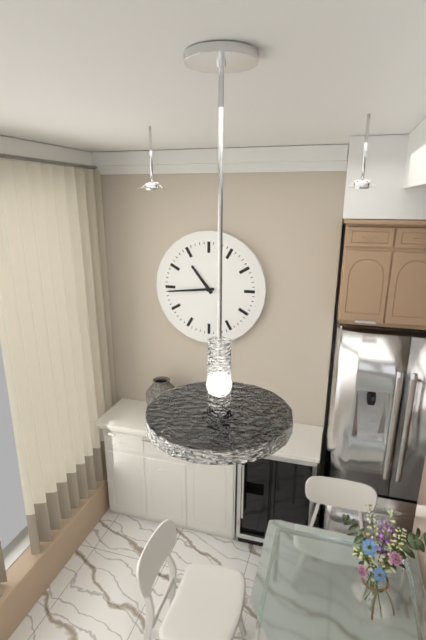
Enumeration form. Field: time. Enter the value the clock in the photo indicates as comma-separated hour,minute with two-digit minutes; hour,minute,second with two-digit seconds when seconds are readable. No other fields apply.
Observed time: 10,44
